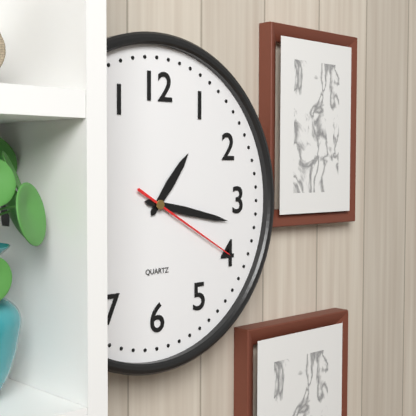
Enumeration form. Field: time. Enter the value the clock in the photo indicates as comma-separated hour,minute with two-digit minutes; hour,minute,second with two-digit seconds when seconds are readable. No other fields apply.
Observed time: 1,17,20
